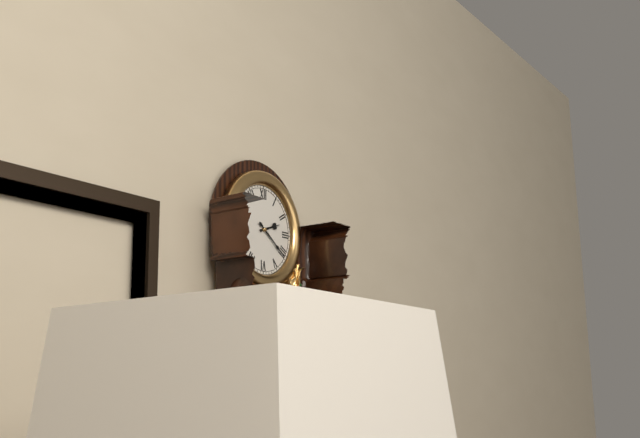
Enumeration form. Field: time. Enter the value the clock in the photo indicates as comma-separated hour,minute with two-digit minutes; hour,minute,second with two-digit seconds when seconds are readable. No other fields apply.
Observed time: 2,21
